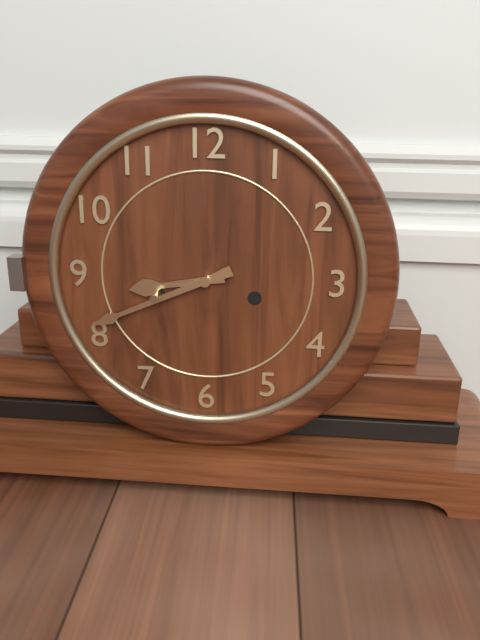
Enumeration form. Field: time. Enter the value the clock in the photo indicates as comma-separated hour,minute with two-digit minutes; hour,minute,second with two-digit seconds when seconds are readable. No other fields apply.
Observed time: 8,41
